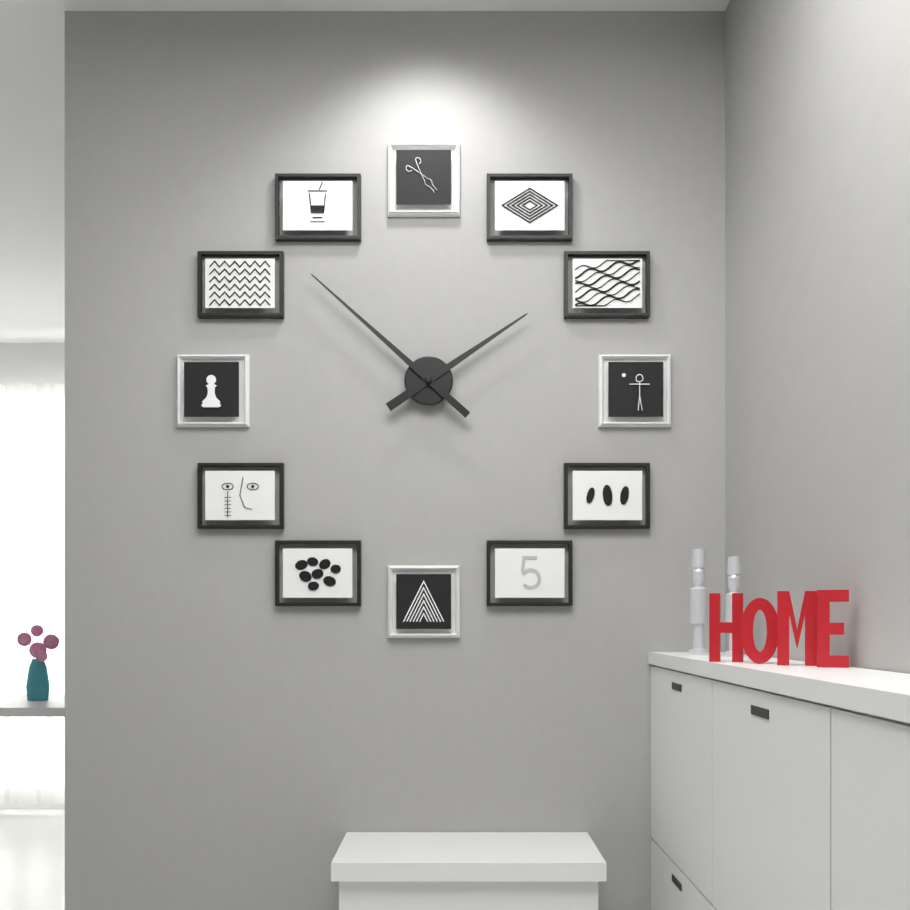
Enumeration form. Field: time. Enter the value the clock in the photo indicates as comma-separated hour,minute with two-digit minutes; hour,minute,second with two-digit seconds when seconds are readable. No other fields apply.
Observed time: 1,52
